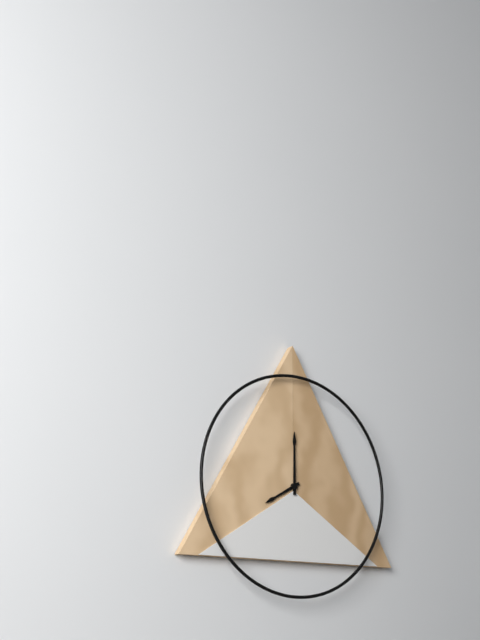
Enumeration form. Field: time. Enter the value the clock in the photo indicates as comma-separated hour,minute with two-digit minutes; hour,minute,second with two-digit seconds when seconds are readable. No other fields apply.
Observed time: 8,00
